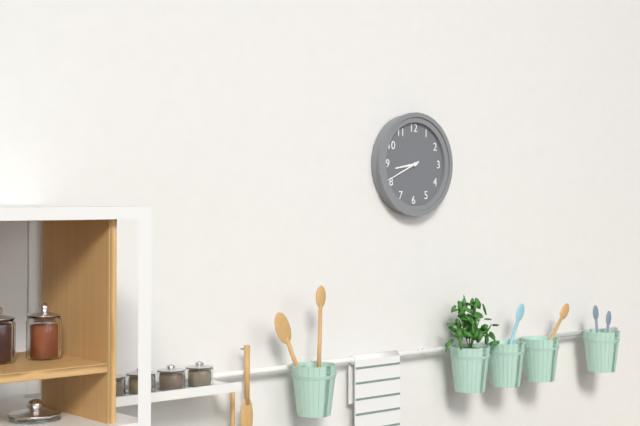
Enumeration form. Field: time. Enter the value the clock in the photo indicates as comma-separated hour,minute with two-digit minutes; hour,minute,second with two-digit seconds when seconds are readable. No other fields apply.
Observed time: 8,41
